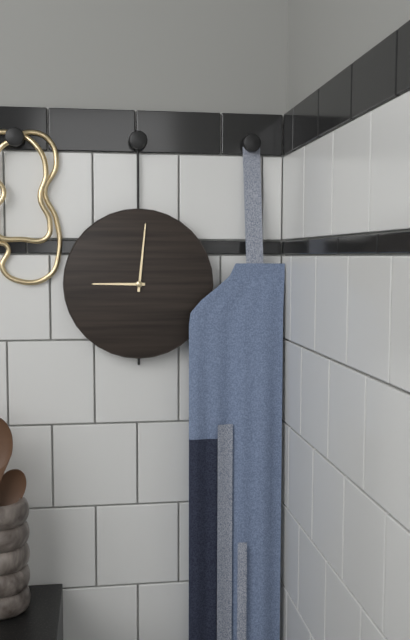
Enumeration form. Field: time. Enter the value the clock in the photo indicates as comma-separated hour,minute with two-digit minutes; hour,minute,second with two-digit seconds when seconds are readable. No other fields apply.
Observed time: 9,01
